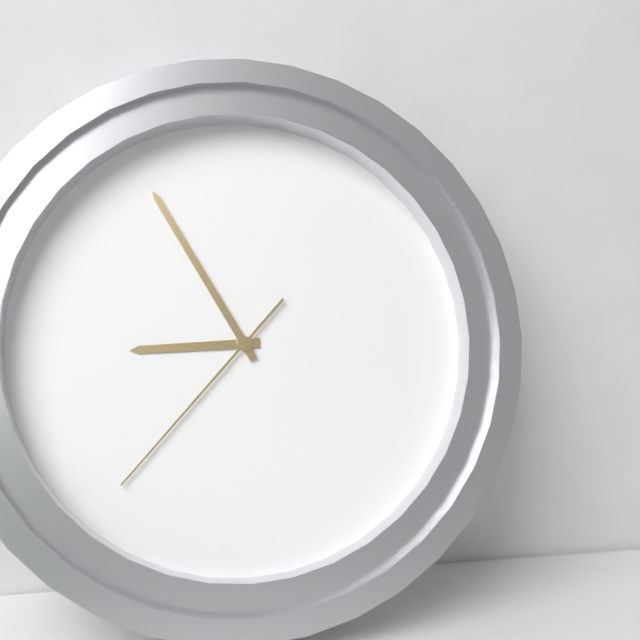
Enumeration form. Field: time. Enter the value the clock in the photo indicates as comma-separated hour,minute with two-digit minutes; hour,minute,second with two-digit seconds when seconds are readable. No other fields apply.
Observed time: 8,55,37
